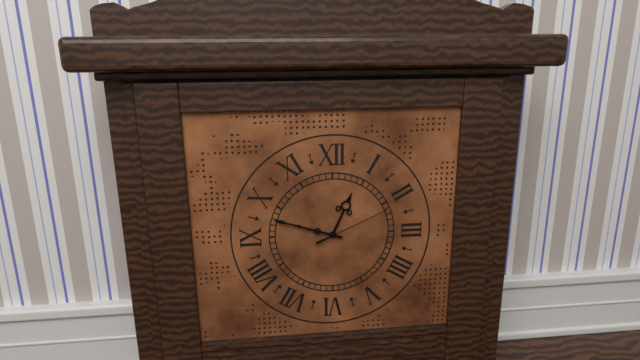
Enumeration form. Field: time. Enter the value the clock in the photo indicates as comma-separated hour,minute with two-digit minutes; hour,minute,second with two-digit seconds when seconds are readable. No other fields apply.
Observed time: 12,48,11
